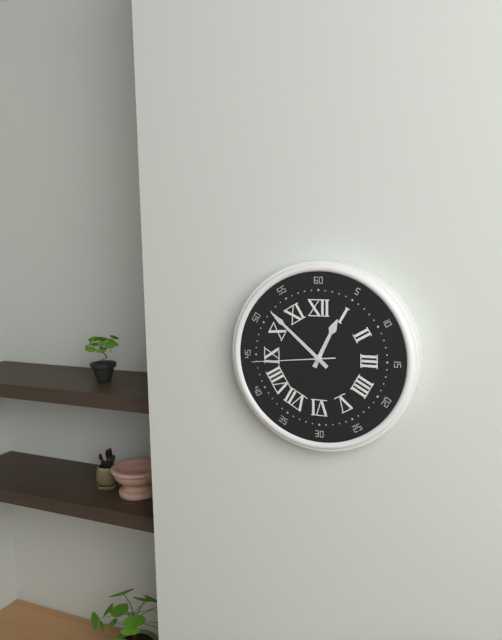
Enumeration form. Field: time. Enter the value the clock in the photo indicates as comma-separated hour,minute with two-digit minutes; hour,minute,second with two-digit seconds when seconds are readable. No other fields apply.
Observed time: 12,52,44
